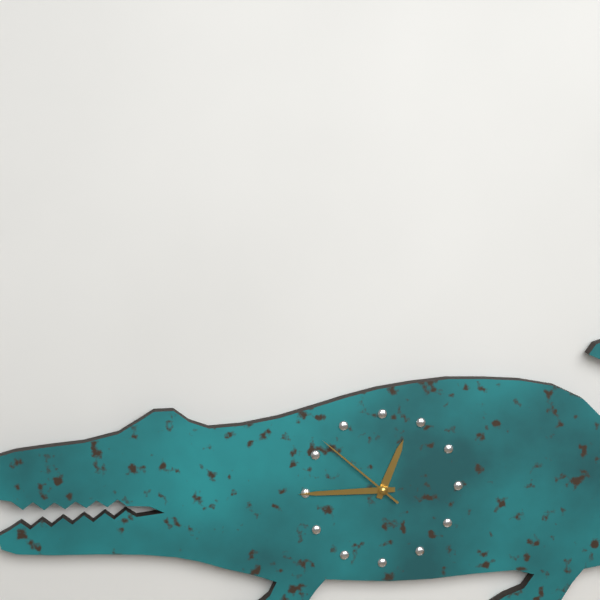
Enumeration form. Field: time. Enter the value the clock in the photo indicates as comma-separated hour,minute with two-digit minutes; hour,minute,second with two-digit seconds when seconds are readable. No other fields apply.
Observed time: 12,45,52
